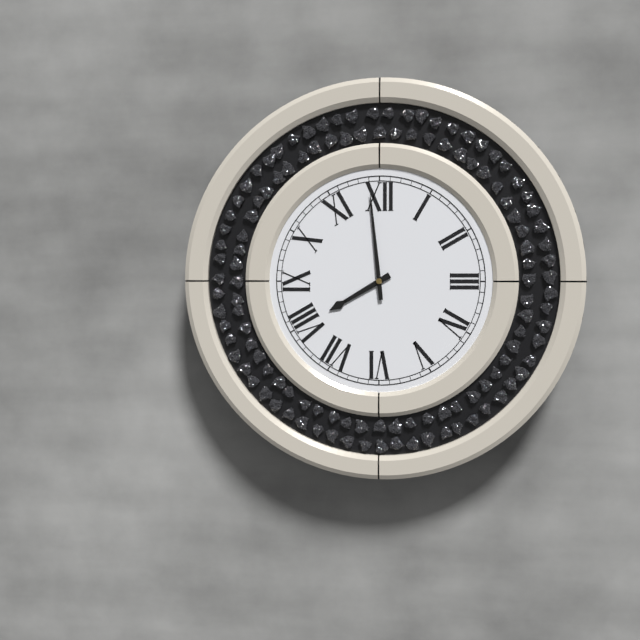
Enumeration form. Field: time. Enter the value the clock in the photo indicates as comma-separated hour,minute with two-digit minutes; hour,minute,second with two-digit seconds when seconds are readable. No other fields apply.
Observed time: 7,59
